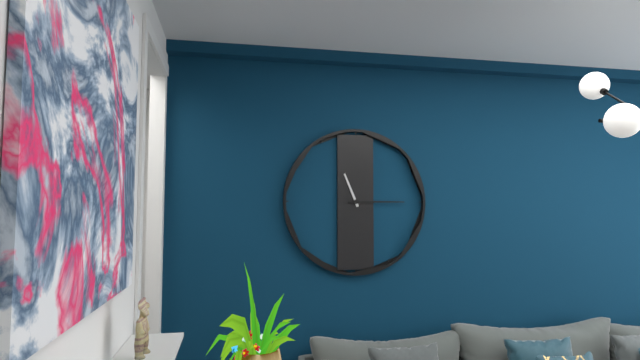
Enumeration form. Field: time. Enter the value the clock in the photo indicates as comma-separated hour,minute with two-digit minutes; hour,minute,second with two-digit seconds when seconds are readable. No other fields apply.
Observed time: 11,15
